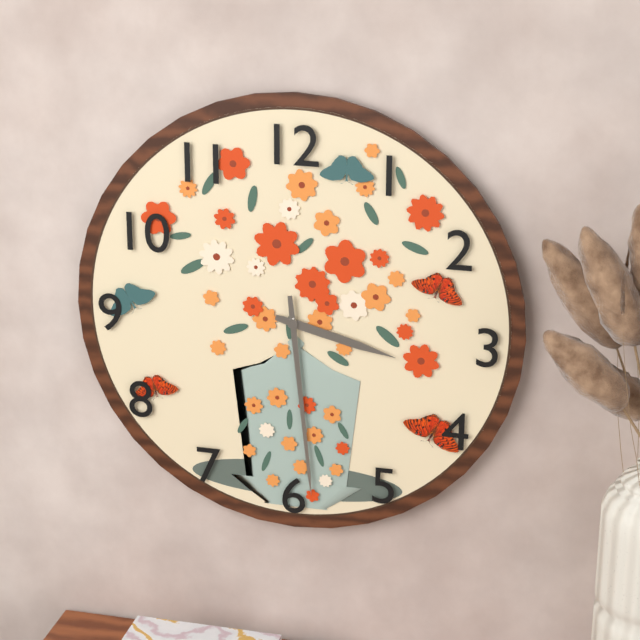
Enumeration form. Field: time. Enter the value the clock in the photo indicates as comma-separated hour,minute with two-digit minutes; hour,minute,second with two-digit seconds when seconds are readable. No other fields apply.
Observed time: 3,29
